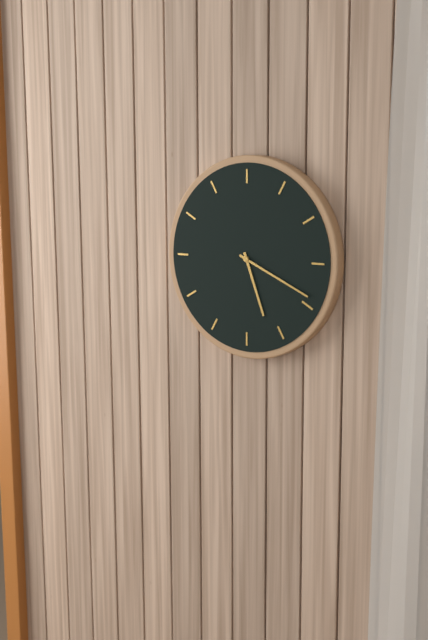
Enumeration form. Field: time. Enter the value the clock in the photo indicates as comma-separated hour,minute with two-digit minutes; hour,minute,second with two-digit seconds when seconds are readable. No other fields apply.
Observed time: 5,19
